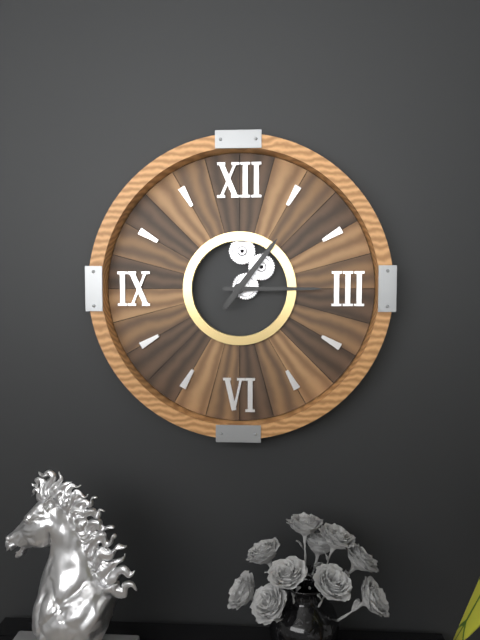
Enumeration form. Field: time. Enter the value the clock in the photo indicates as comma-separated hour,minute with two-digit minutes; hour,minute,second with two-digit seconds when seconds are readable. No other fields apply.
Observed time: 1,15
